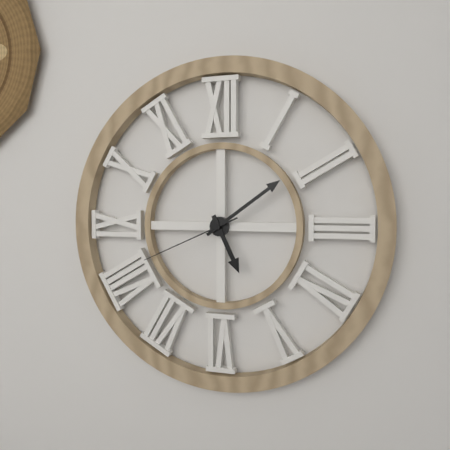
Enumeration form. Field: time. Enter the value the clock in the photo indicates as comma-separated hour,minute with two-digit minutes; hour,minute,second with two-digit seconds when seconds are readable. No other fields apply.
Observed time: 5,09,41
